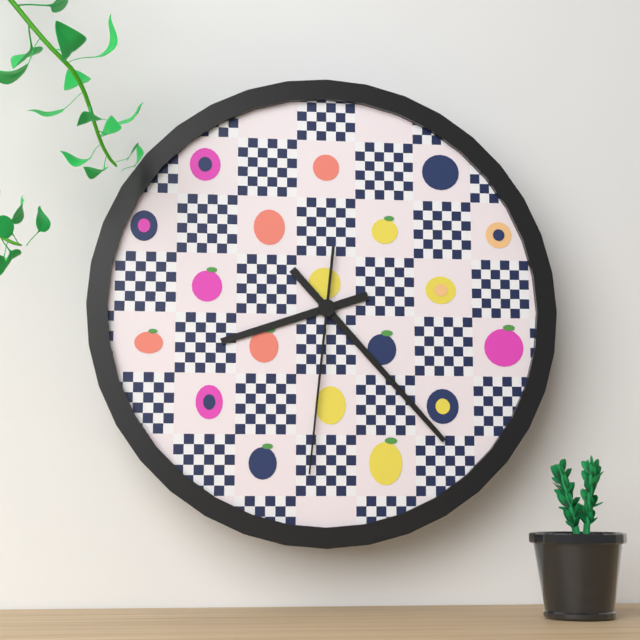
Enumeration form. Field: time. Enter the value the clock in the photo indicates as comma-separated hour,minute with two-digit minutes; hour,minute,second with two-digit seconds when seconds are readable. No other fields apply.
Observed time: 8,23,31
